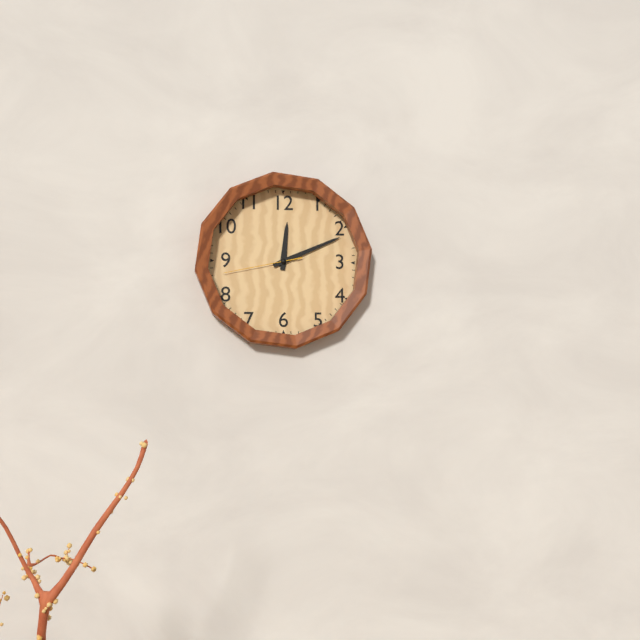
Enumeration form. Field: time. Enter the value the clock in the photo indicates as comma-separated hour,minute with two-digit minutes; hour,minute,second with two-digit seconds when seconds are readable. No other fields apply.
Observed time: 12,11,43
